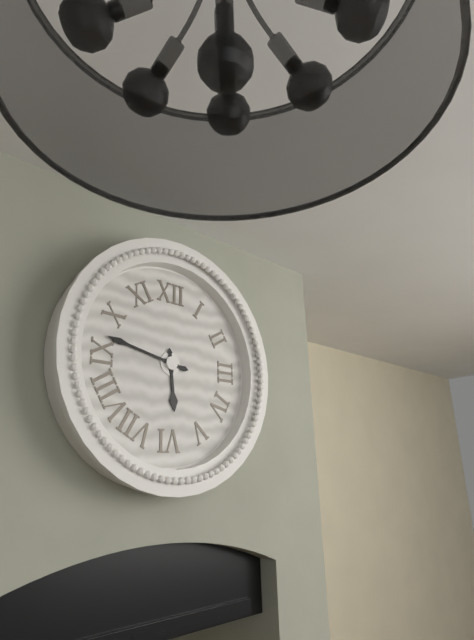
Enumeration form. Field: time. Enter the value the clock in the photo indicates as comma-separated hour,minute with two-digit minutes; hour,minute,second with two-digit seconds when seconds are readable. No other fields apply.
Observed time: 5,47
